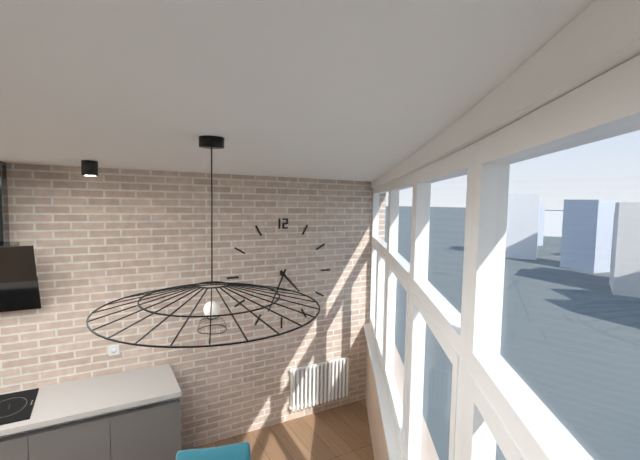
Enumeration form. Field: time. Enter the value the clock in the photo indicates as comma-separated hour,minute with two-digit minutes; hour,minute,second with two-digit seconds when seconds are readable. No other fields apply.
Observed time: 4,34
